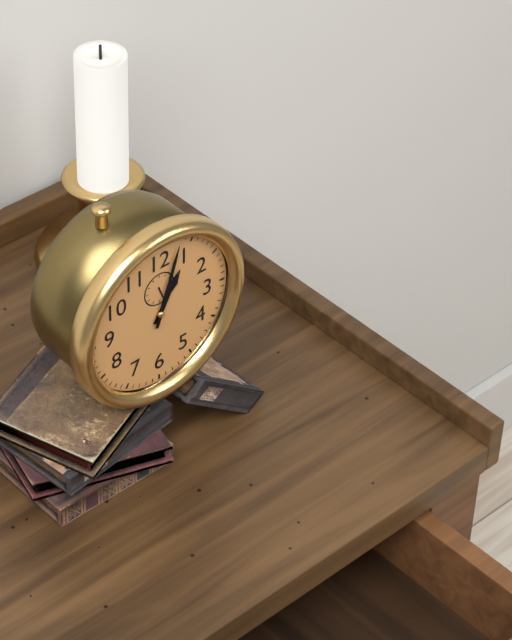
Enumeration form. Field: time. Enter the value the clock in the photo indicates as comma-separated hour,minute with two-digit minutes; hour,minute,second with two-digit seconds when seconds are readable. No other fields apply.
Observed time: 1,03
